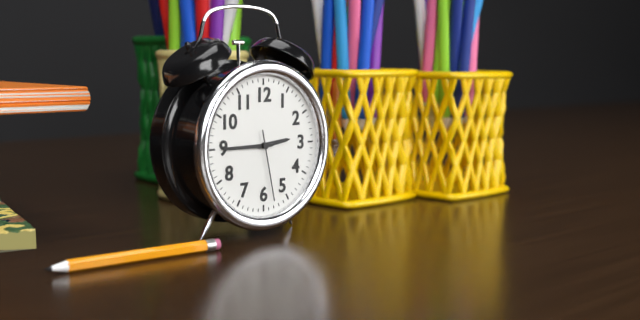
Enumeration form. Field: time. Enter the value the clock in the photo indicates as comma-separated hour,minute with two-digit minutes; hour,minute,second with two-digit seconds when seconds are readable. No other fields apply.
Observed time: 2,45,28
